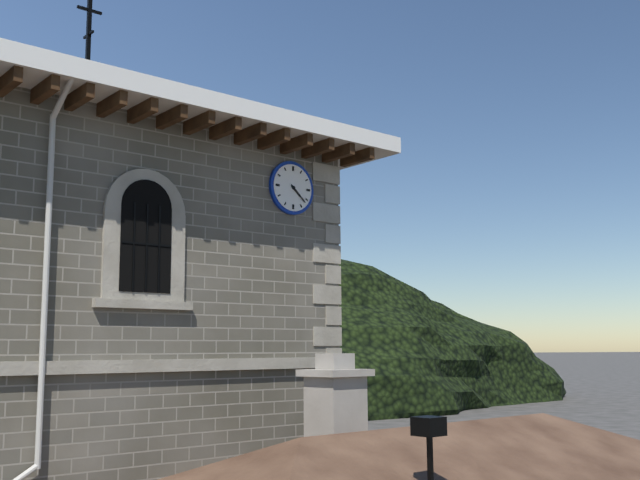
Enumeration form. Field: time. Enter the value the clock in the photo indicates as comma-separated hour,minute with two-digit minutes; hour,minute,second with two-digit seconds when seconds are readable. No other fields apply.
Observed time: 4,22
